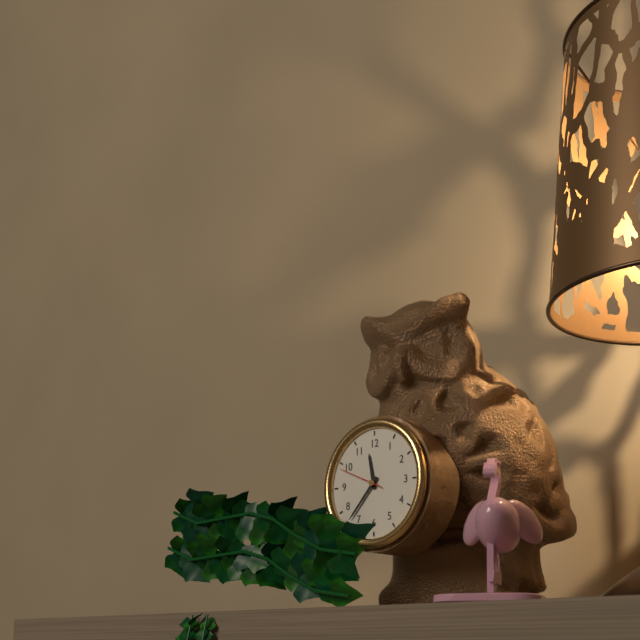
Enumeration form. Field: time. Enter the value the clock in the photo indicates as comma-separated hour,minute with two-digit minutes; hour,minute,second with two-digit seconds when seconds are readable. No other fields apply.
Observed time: 11,37,49
